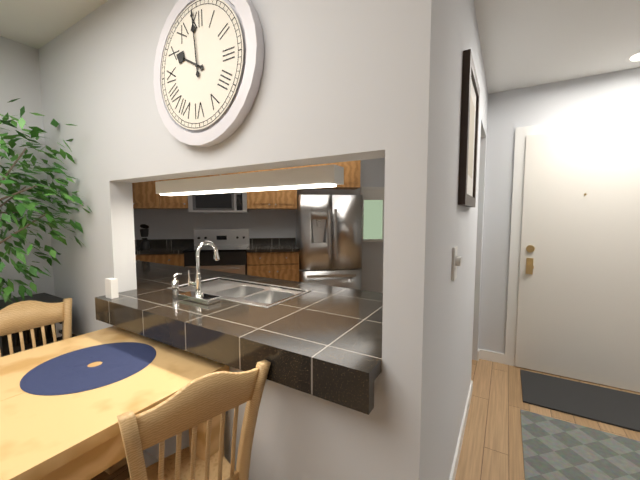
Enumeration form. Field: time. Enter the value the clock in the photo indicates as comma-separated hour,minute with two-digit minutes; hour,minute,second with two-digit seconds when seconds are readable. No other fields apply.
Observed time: 9,59
